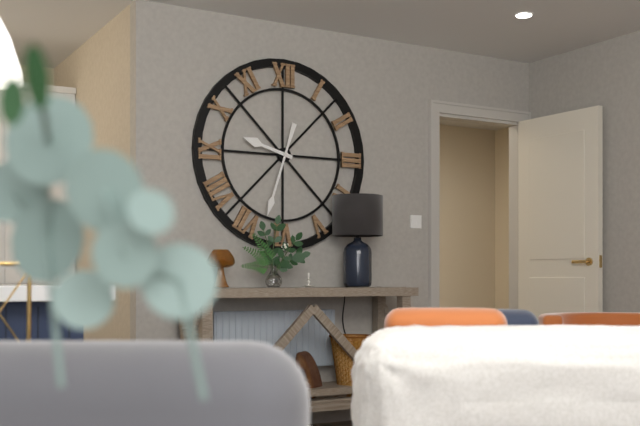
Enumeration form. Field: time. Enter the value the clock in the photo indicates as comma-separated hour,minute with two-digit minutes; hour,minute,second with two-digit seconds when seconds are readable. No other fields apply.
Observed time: 9,33
